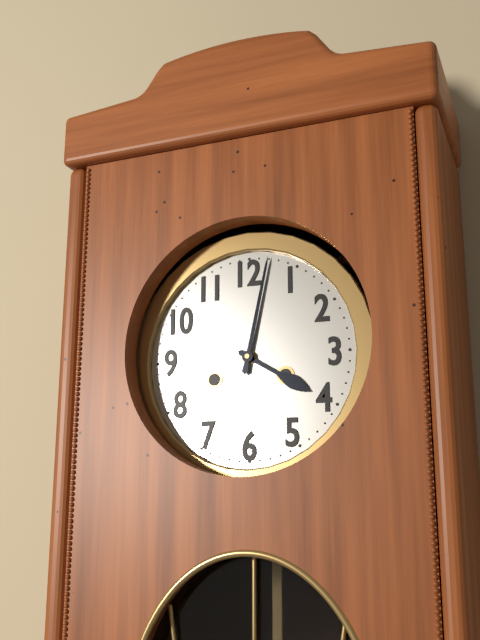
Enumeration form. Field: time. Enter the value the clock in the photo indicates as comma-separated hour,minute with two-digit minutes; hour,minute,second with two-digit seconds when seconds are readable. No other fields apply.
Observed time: 4,02
